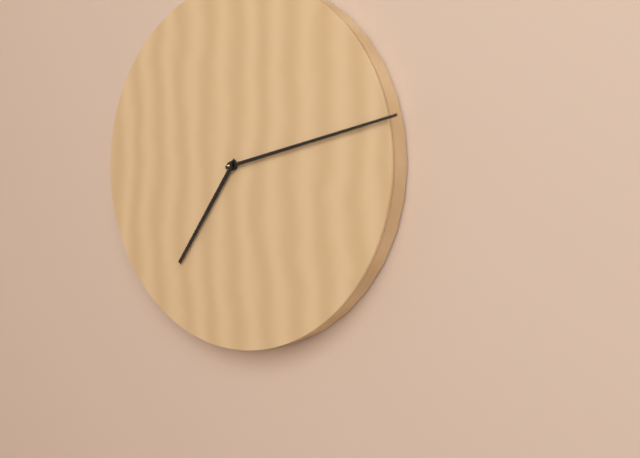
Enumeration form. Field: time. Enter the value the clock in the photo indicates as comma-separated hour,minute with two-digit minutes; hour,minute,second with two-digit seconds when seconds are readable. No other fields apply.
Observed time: 7,13
